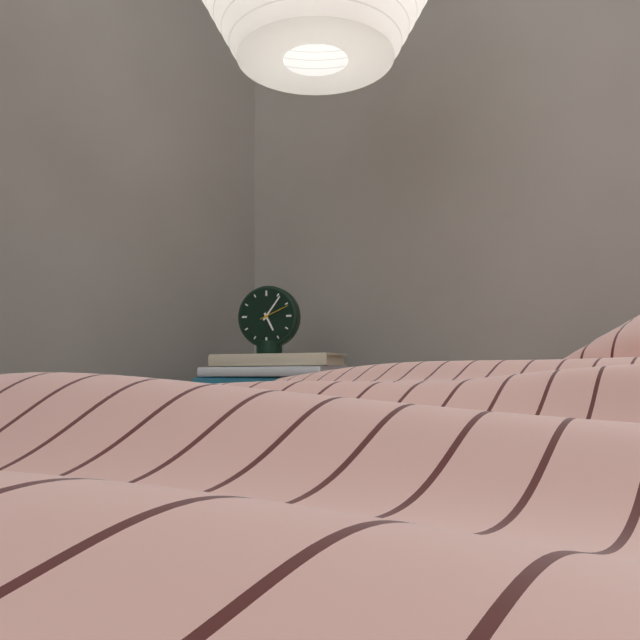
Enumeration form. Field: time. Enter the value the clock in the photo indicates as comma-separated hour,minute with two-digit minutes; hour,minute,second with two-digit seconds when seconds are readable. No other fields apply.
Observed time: 5,06
